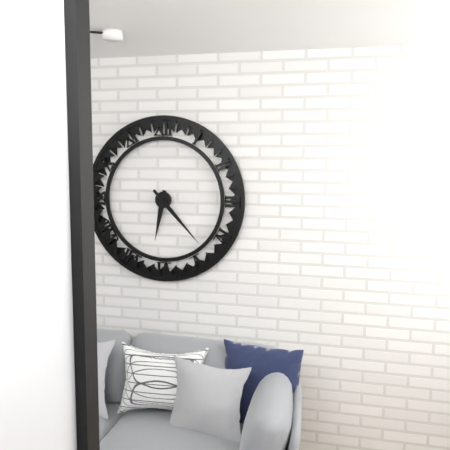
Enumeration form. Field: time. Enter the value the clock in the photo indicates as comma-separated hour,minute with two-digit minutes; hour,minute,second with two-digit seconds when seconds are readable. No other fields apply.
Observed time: 6,23
